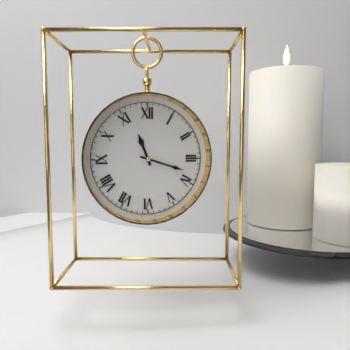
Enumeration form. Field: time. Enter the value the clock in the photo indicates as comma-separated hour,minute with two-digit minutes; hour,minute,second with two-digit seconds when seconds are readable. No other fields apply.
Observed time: 11,18
